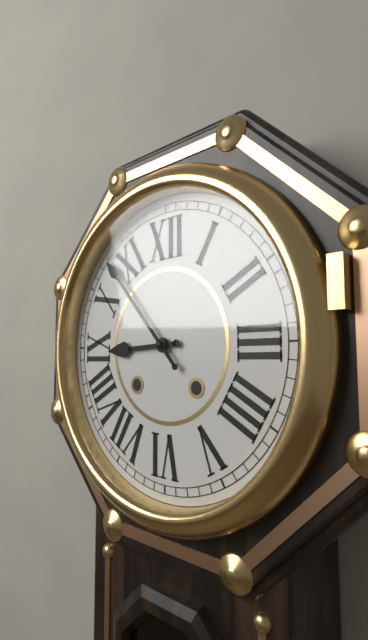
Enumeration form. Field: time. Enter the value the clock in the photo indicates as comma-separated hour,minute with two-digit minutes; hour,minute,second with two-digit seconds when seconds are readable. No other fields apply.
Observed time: 8,53
